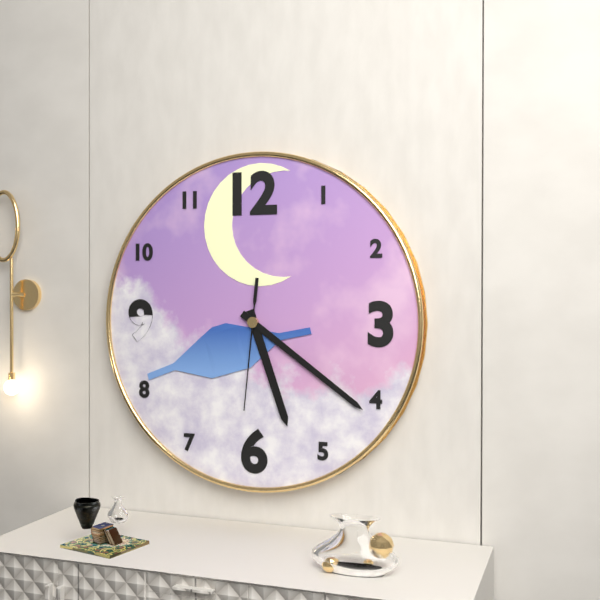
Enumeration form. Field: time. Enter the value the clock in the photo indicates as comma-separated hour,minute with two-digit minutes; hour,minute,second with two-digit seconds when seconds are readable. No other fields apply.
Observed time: 5,21,31
